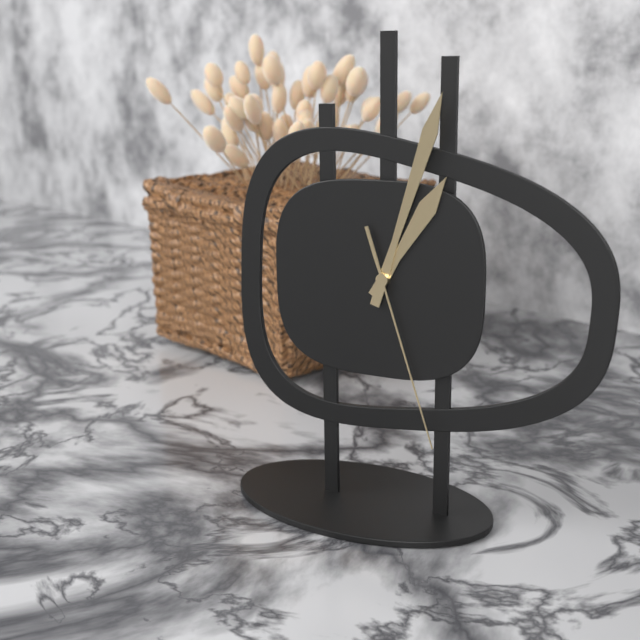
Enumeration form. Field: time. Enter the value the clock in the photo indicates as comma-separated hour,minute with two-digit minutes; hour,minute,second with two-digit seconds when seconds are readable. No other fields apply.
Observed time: 1,03,27
